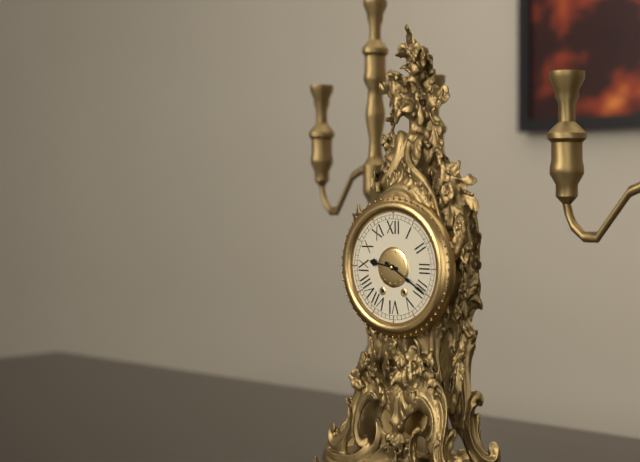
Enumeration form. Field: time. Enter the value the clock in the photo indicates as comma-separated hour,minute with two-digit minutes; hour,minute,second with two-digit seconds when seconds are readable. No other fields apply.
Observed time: 9,20
